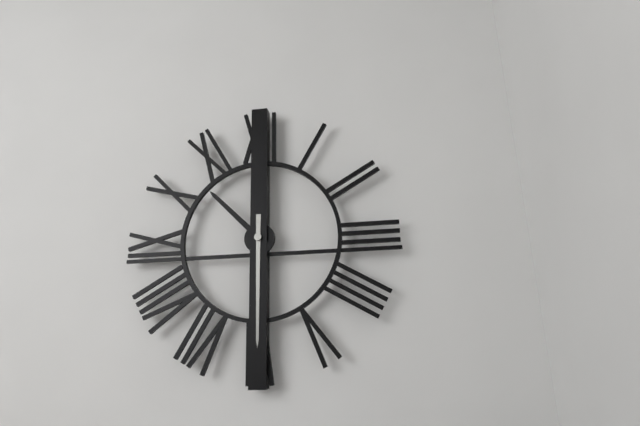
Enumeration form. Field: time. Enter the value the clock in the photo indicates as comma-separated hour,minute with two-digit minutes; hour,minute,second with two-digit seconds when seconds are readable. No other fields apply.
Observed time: 10,30
